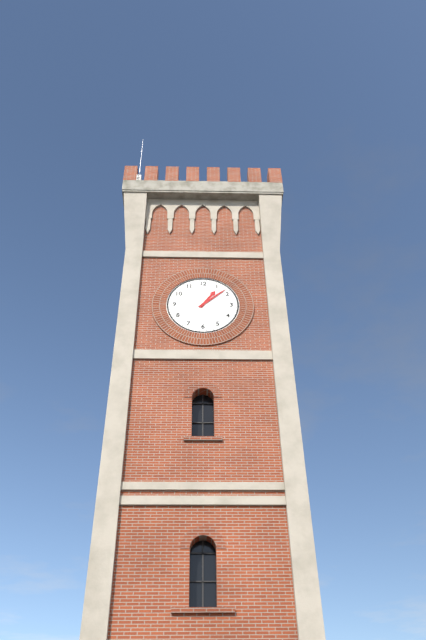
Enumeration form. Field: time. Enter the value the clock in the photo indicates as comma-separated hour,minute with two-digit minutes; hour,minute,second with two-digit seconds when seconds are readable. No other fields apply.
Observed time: 1,08
